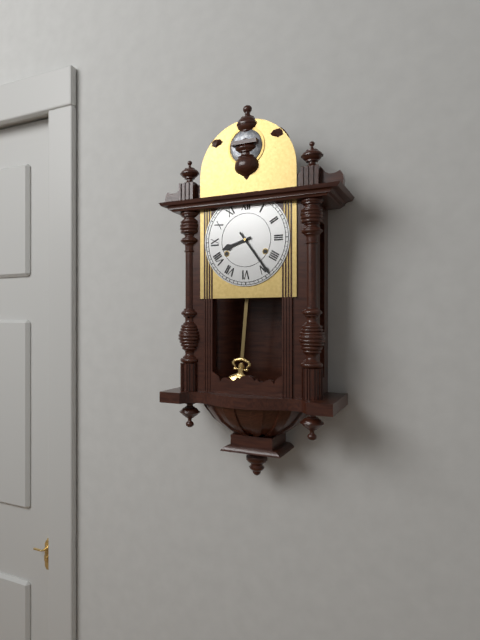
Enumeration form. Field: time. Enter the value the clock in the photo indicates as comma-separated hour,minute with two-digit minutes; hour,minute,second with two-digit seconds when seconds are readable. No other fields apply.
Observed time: 8,24
